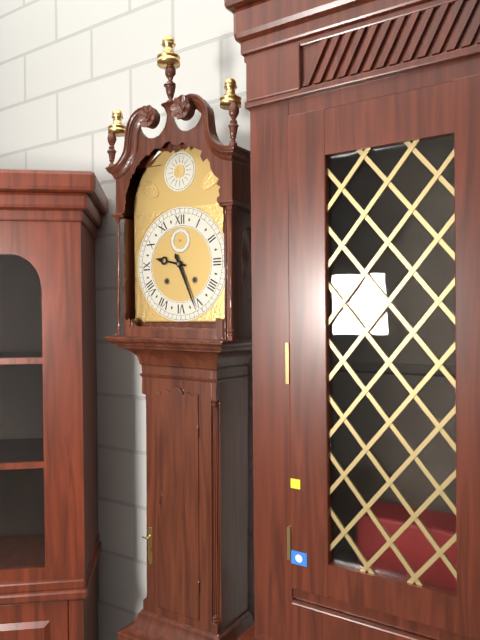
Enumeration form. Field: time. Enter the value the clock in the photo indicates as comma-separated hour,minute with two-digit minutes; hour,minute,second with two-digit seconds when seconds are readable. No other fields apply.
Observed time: 9,26
